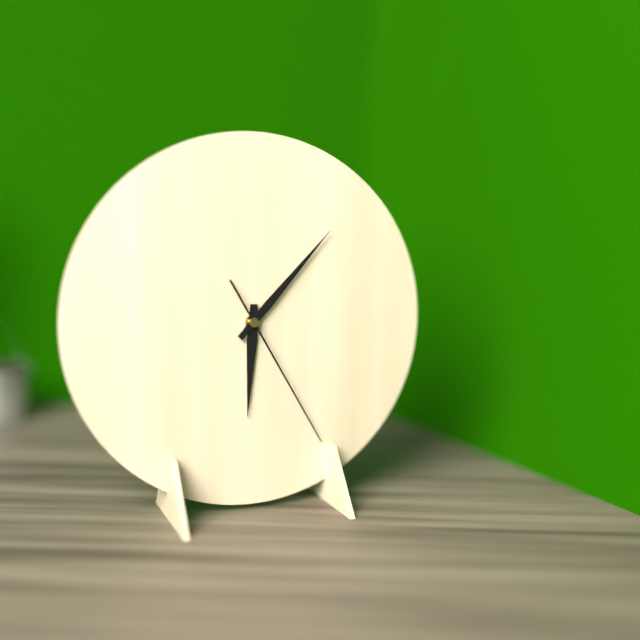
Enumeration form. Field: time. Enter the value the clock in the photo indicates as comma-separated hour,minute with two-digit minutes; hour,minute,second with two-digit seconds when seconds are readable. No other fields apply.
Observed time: 6,07,25
